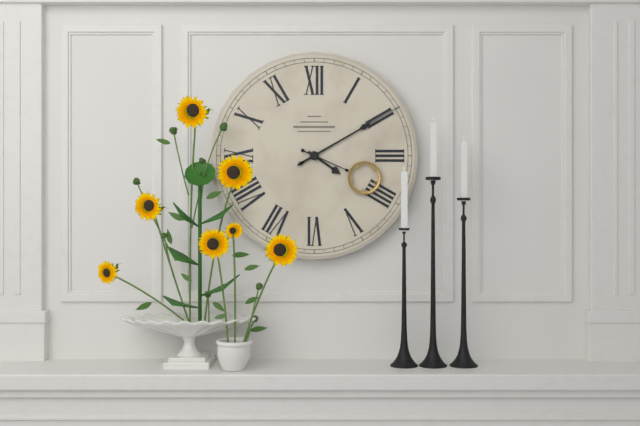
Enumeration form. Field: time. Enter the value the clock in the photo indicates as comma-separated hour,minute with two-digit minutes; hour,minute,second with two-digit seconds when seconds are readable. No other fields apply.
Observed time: 4,10,19
